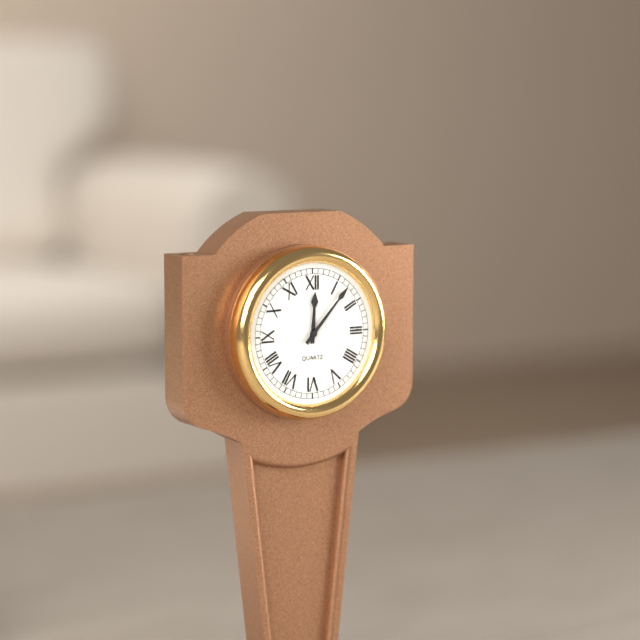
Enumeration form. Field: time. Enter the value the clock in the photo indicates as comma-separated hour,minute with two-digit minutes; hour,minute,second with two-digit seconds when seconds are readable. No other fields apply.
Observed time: 12,07
